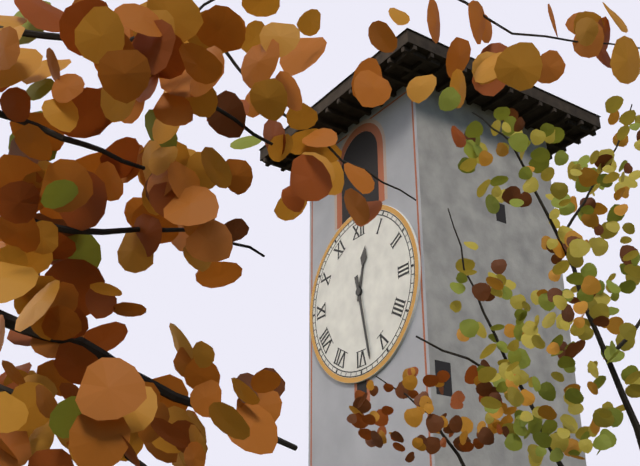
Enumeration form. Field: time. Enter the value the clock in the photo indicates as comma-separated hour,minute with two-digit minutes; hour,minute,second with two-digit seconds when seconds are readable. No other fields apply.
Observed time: 12,28
